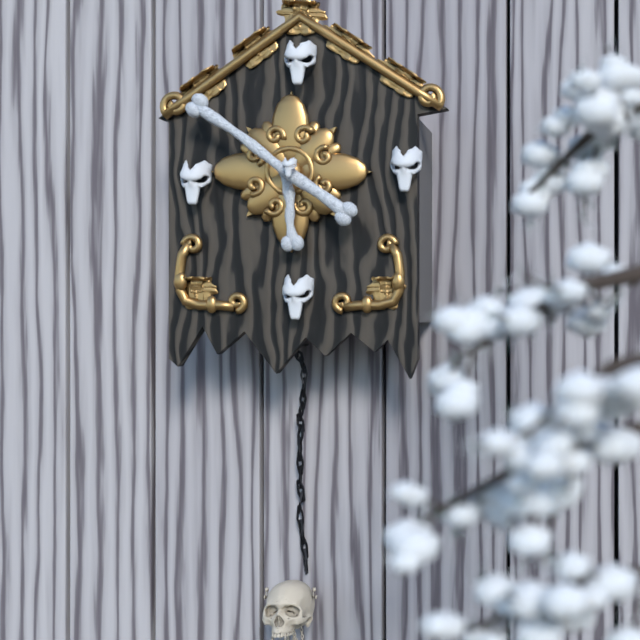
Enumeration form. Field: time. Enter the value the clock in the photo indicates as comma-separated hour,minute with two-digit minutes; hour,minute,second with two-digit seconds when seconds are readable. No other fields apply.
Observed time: 5,51
